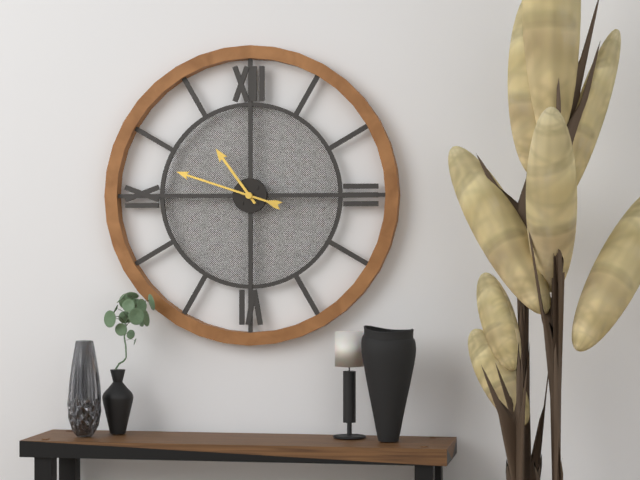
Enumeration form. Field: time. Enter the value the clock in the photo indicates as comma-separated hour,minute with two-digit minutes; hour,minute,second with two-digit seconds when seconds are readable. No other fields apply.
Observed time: 10,48
